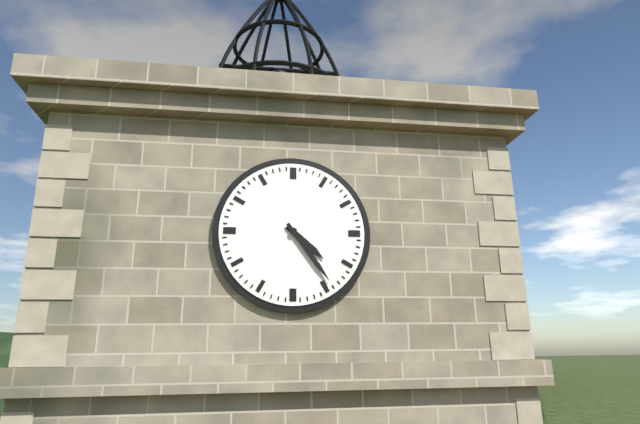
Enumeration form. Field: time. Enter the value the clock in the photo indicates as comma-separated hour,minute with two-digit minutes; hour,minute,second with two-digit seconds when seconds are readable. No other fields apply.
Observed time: 4,24
